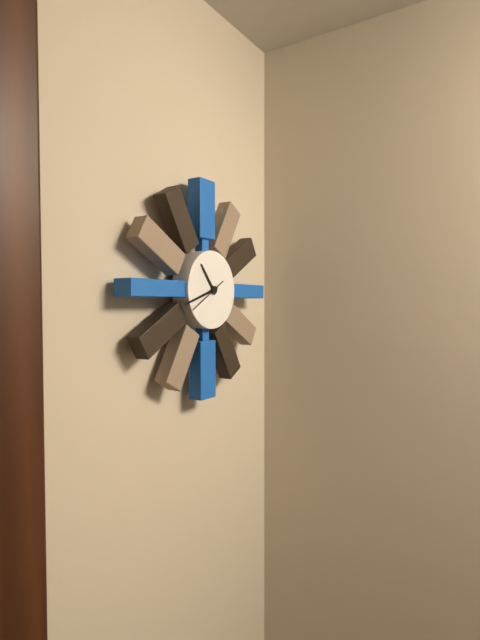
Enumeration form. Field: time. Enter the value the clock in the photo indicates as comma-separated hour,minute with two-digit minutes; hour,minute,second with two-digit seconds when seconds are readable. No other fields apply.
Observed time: 10,42
